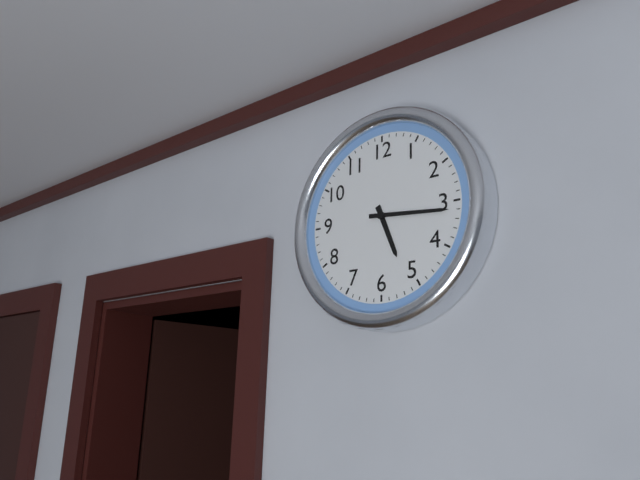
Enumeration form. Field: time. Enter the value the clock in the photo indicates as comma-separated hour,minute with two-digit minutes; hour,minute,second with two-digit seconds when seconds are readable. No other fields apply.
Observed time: 5,16
